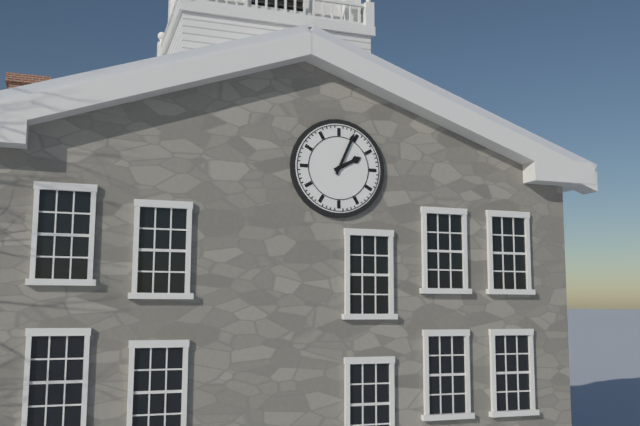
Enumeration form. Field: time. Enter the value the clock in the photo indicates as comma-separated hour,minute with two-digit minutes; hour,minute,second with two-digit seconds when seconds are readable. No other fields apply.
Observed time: 2,04
